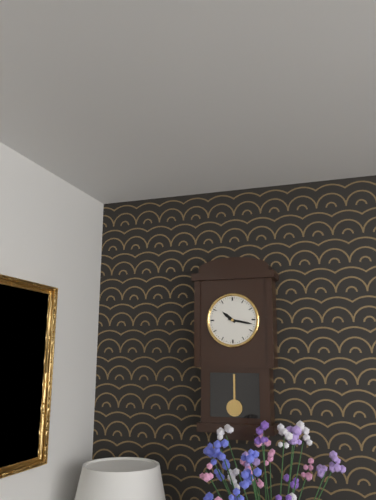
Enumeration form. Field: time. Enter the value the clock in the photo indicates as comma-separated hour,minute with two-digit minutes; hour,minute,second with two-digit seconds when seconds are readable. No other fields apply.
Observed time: 10,17
